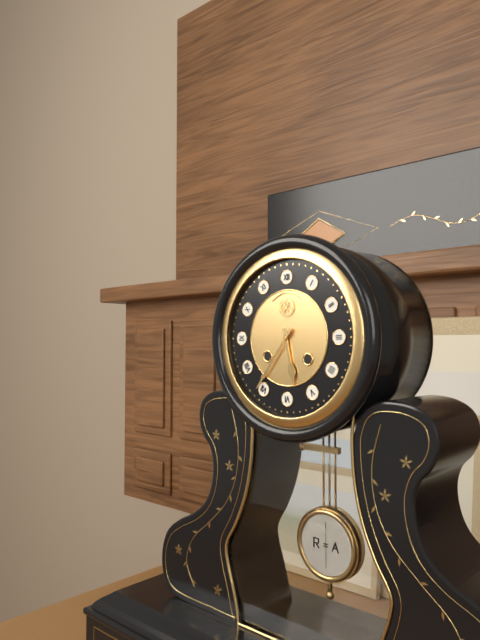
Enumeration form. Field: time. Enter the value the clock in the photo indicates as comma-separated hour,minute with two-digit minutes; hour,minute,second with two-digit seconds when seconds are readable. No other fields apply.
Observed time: 5,36
